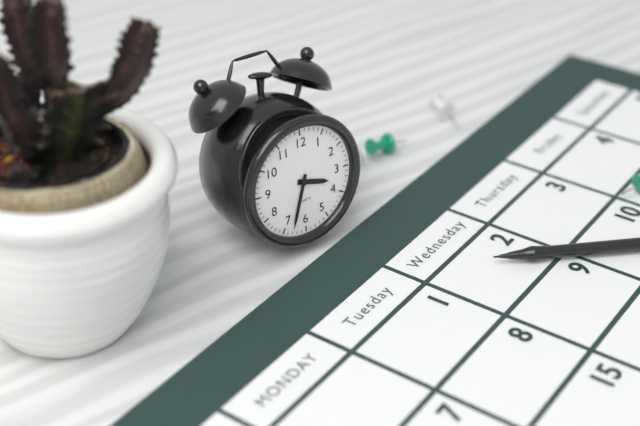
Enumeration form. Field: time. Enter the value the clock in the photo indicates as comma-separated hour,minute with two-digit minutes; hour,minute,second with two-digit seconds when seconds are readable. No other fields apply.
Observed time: 3,33
